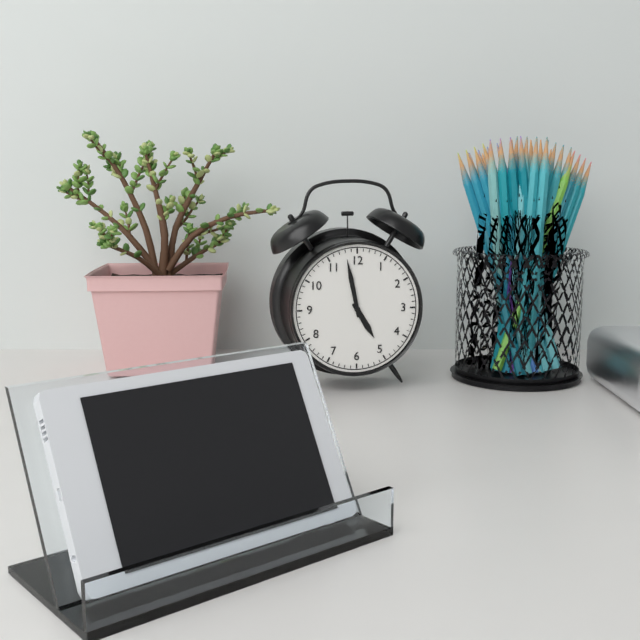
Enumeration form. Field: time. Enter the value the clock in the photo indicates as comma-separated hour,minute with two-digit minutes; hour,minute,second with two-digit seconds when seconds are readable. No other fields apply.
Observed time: 4,58
